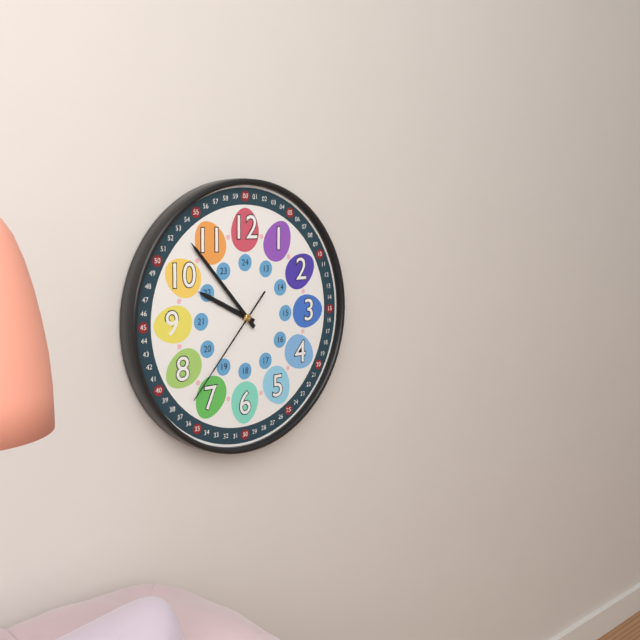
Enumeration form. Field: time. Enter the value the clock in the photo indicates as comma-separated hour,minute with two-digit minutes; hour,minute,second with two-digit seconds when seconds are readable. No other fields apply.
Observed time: 9,53,37
